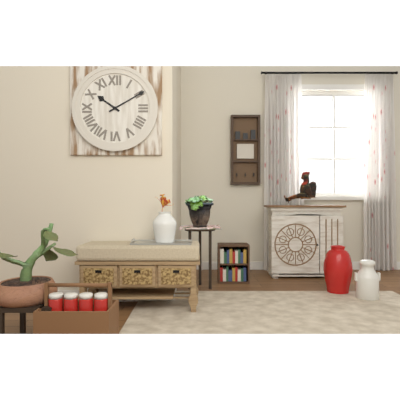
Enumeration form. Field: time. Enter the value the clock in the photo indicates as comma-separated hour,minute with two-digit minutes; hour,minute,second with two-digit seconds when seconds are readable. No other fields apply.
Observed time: 10,10
